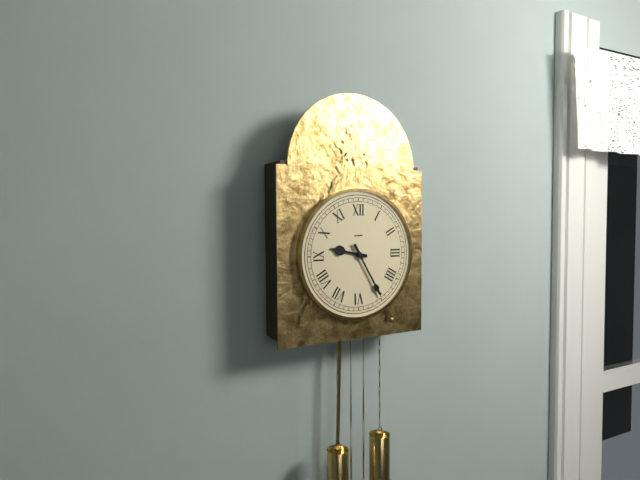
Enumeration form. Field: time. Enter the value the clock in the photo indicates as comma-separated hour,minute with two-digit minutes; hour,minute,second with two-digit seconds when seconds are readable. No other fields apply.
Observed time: 9,25
